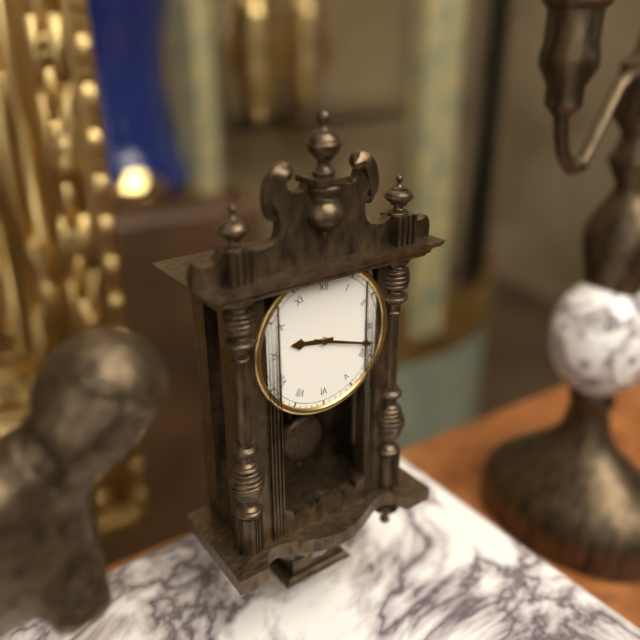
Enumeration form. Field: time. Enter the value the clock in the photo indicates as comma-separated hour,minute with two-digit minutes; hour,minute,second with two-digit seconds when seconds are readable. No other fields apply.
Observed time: 9,18
